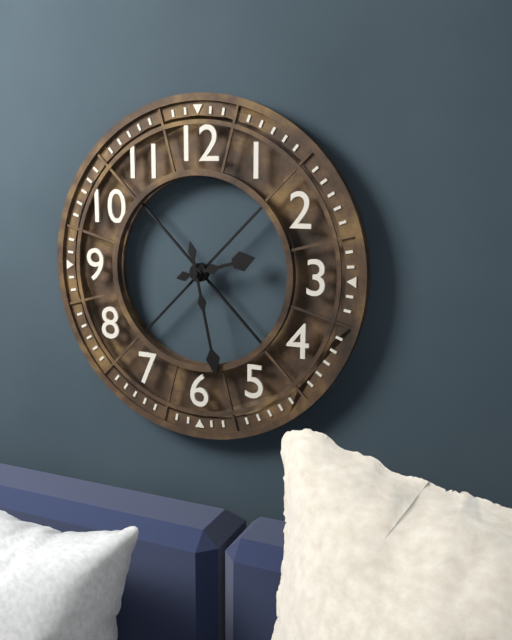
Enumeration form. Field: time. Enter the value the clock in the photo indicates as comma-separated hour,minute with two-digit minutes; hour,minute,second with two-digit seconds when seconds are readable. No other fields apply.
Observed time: 2,28
